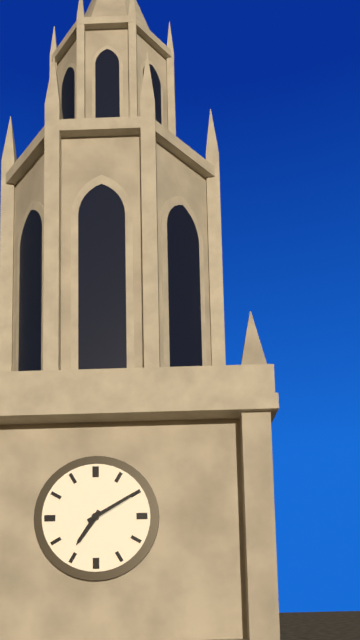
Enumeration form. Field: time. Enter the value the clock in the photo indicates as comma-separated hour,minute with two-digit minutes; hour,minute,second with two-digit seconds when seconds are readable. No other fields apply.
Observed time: 7,10
